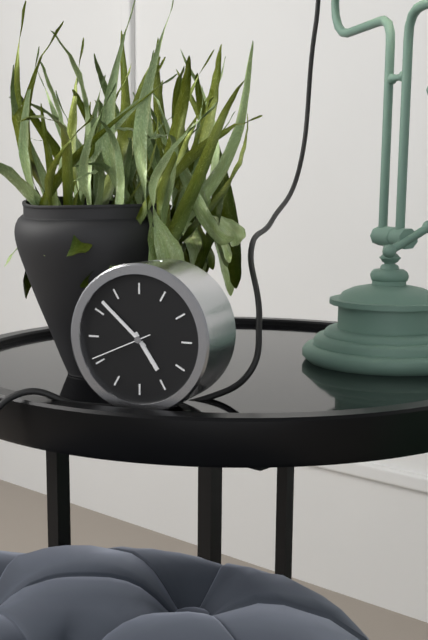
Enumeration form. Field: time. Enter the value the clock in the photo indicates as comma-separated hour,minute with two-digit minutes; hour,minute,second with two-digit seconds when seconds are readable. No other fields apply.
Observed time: 4,52,41
